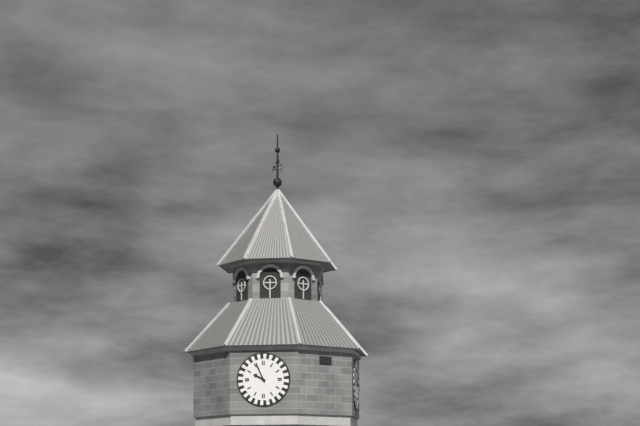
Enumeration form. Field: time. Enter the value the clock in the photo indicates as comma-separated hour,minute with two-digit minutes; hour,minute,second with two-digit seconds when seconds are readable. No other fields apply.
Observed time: 9,56
